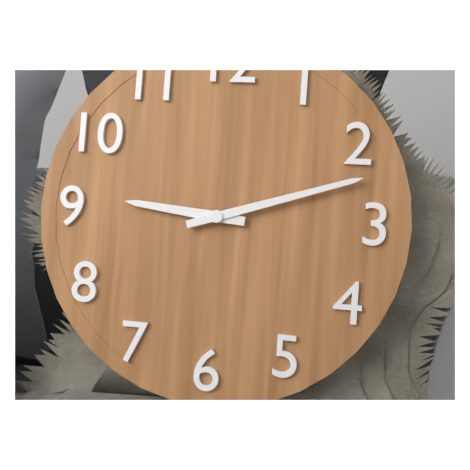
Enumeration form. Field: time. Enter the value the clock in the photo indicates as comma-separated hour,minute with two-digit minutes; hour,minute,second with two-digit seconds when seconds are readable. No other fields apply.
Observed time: 9,12
